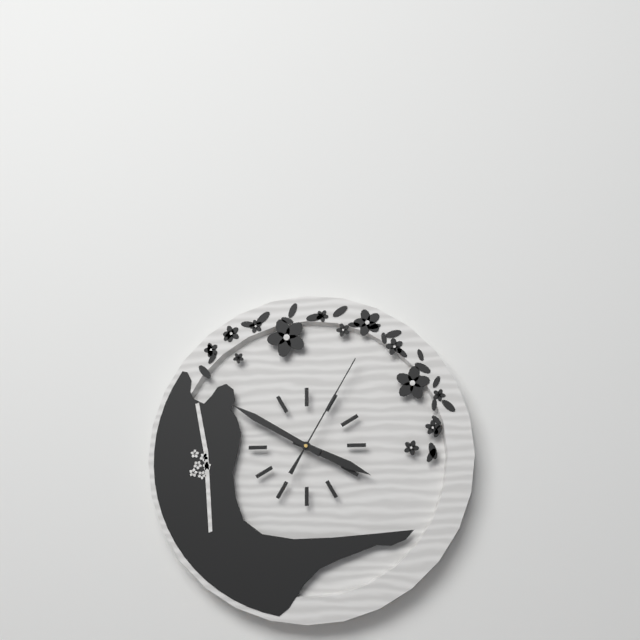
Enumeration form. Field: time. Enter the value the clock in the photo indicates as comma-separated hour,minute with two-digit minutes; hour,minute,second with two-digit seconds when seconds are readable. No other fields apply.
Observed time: 3,50,05
